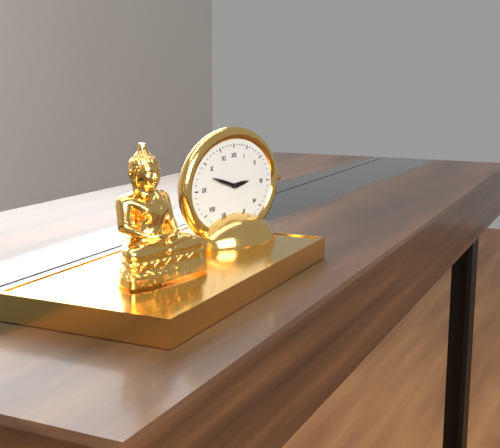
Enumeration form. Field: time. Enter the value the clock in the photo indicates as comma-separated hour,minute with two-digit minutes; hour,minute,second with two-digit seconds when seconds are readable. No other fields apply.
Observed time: 2,48
